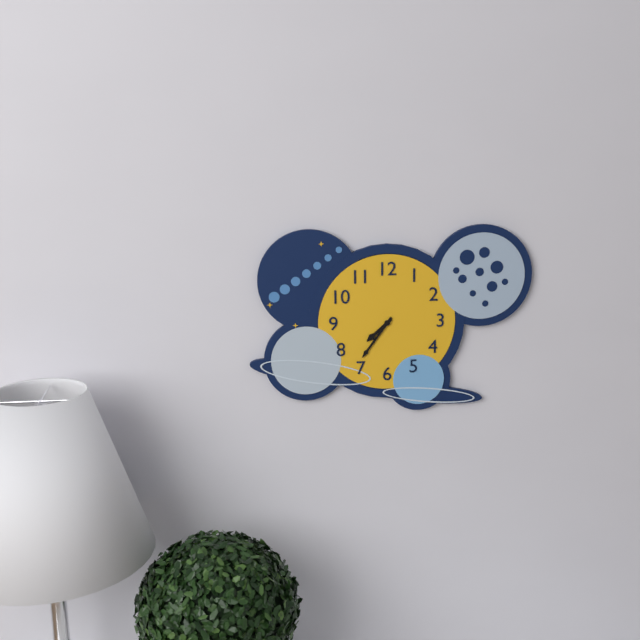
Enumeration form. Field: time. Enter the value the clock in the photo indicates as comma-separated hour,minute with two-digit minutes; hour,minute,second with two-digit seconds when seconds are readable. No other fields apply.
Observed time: 7,36
